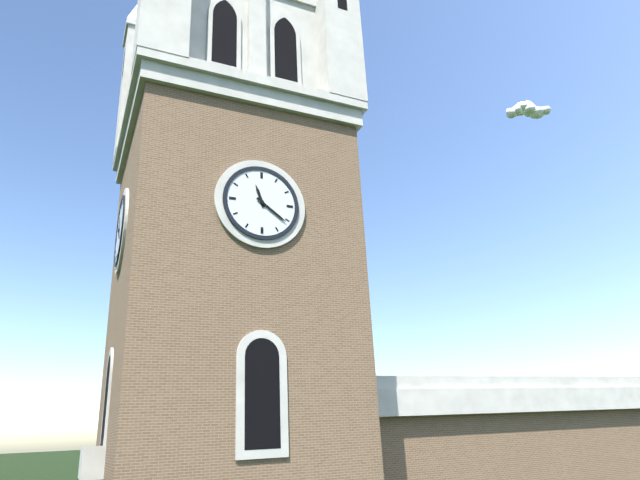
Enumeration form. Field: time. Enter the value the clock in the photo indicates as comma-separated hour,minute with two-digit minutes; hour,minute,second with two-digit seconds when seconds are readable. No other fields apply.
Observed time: 11,21
